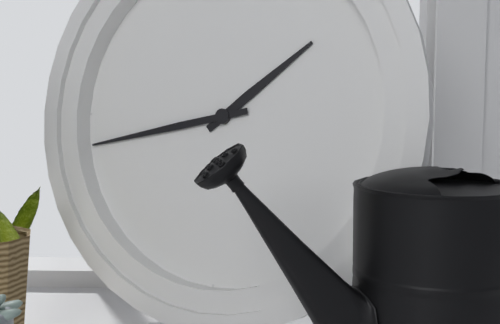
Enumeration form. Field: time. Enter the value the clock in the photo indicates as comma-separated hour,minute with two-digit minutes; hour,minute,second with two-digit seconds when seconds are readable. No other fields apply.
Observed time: 1,43
